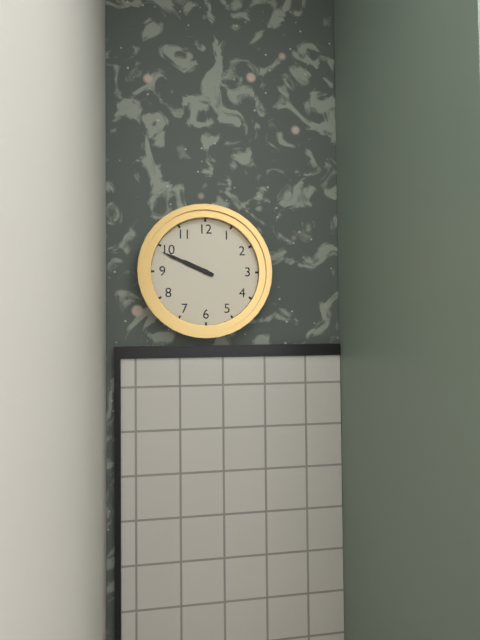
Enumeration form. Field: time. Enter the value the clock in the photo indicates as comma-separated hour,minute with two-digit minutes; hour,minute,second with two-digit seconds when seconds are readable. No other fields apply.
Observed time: 9,49
